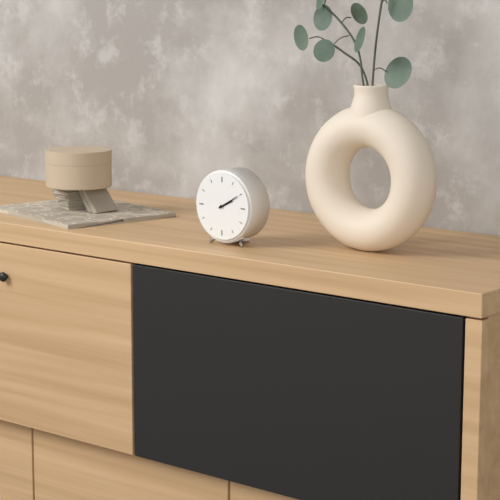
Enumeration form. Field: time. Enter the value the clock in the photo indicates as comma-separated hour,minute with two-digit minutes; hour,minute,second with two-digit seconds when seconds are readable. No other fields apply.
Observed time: 2,10
